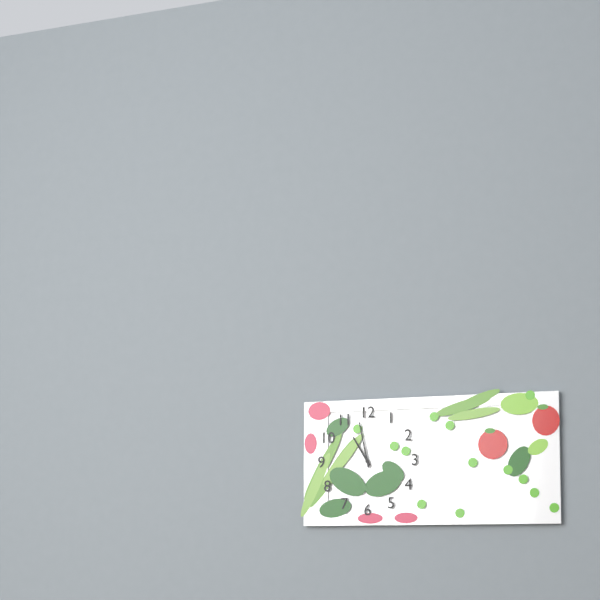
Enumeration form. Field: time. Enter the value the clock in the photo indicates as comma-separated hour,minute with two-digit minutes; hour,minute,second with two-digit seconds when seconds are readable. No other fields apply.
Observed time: 10,58
